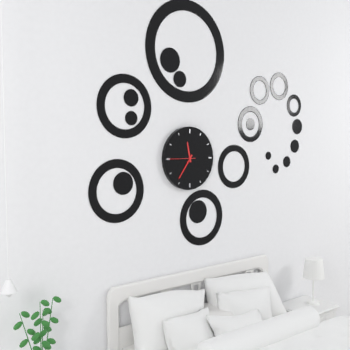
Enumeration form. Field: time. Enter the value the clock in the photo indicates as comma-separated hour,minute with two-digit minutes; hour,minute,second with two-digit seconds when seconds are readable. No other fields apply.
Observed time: 11,36
